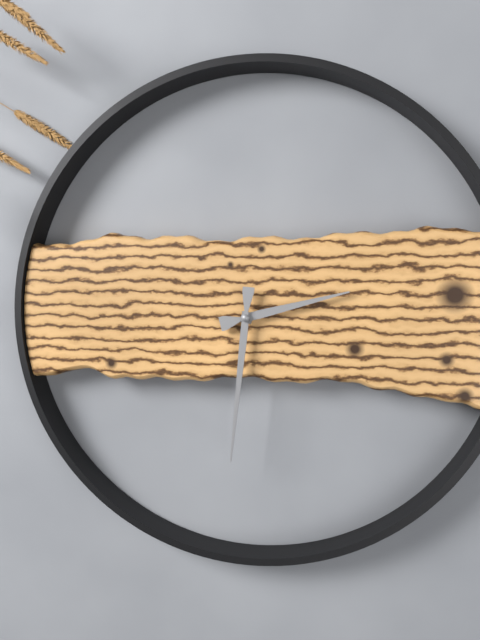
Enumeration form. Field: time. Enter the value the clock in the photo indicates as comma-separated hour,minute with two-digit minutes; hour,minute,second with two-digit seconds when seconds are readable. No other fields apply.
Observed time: 2,31
